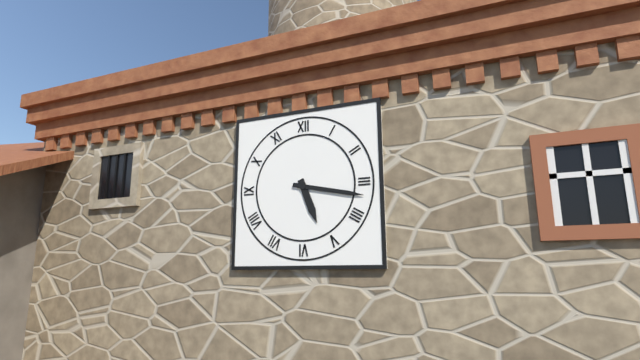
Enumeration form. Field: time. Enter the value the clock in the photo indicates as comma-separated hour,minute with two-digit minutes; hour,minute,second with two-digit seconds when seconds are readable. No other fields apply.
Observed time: 5,17
